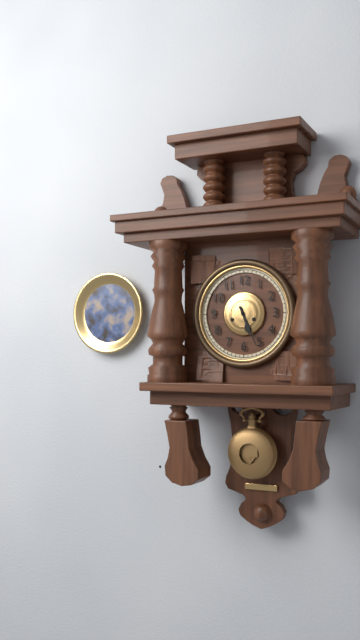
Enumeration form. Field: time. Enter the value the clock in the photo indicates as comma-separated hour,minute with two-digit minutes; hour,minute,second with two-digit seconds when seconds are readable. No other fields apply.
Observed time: 5,26
